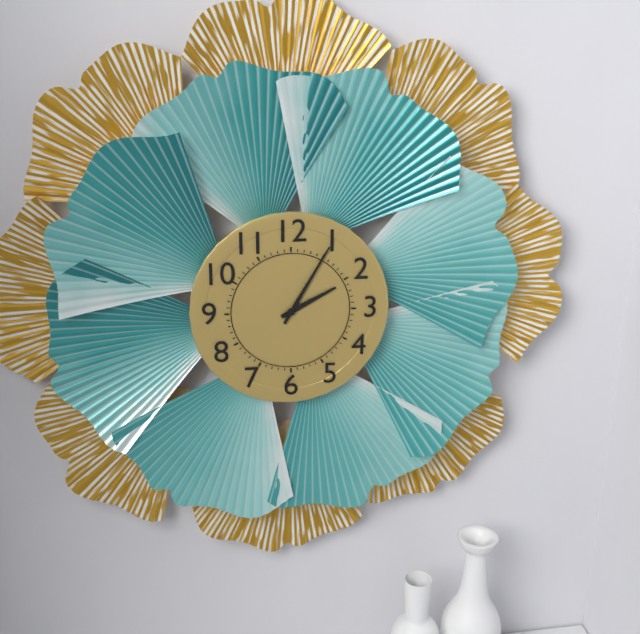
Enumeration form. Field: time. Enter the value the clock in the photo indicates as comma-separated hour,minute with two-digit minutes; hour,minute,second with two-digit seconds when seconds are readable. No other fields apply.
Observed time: 2,05
